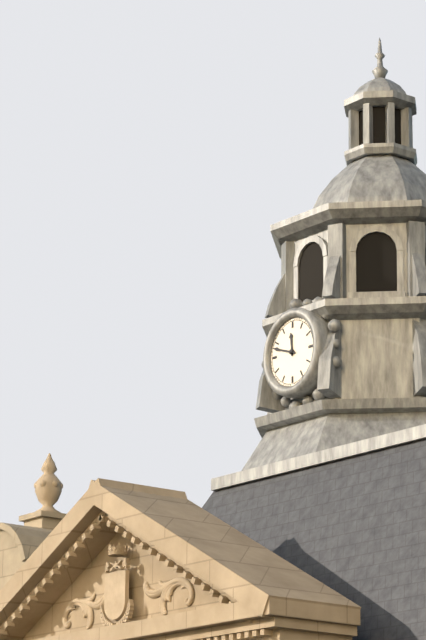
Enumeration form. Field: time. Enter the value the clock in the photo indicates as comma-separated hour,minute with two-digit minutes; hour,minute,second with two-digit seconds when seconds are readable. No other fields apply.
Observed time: 11,48
